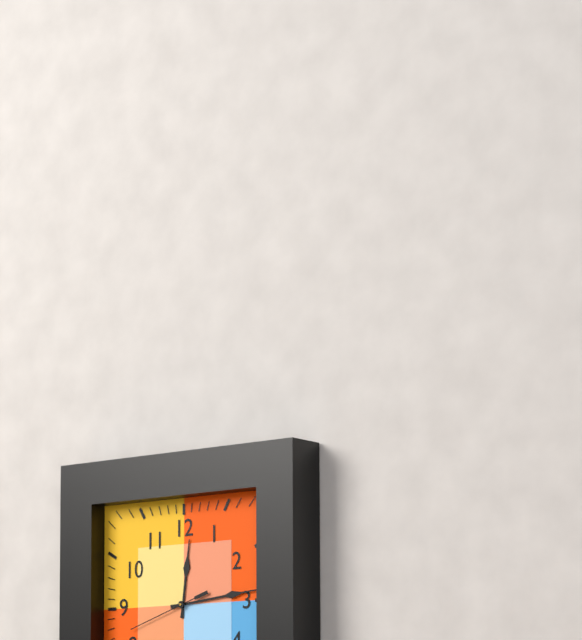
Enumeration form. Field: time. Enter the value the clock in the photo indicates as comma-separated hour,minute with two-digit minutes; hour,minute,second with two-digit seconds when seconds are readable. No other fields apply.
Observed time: 12,14,42
